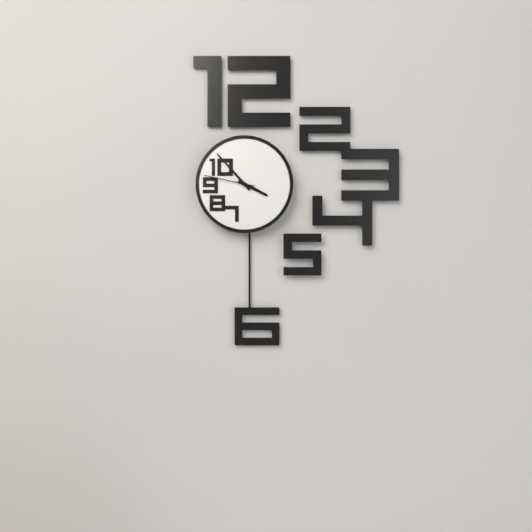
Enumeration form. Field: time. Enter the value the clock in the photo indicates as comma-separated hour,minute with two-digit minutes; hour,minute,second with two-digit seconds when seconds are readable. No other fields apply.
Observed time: 3,53,47
